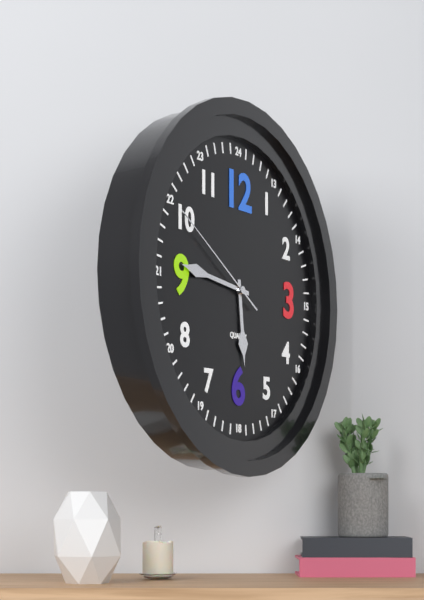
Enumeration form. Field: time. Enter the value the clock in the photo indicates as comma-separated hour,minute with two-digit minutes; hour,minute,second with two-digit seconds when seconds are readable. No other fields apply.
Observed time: 5,46,50
